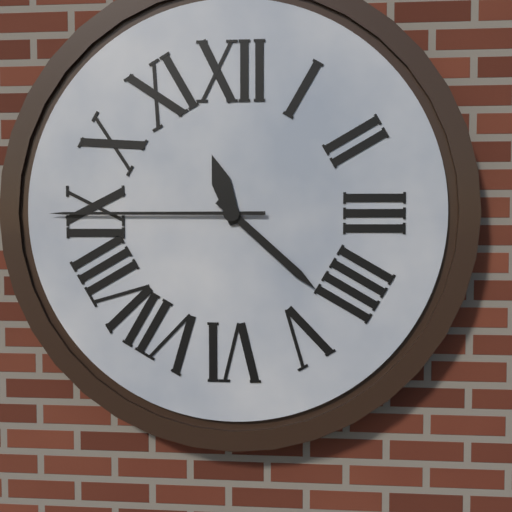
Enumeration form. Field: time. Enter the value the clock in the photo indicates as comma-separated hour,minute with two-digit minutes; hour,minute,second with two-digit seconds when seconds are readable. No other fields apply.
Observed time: 11,22,45
